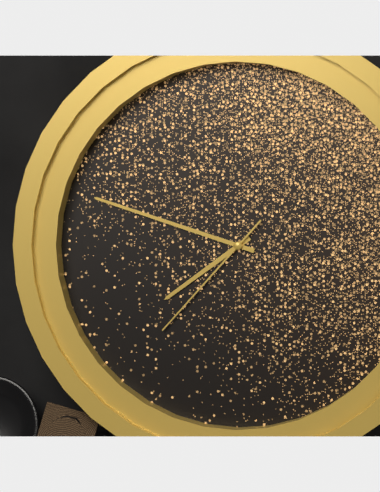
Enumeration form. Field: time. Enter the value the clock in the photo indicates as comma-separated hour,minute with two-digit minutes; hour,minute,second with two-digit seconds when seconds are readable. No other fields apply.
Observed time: 7,48,37
